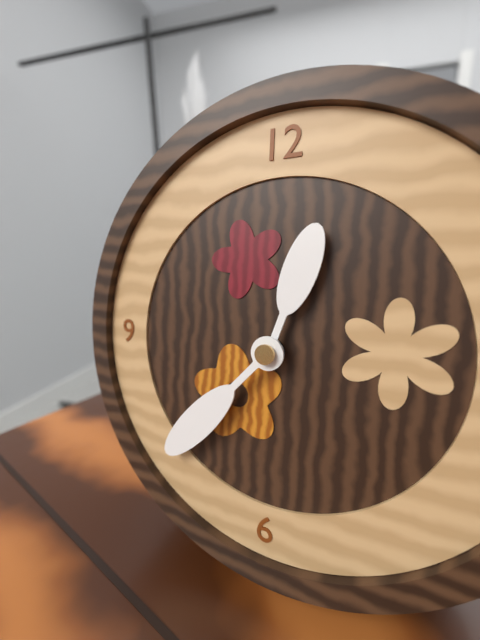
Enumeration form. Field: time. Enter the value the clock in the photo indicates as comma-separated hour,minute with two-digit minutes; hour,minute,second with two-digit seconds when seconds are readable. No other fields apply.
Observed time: 12,37
